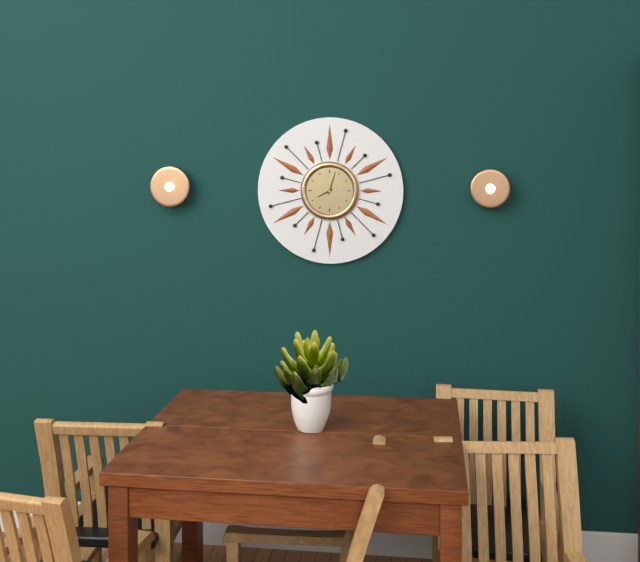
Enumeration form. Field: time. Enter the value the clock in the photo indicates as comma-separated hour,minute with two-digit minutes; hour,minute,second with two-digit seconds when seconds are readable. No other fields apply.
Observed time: 8,03
